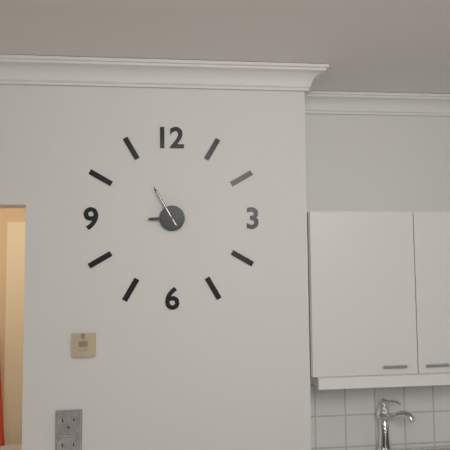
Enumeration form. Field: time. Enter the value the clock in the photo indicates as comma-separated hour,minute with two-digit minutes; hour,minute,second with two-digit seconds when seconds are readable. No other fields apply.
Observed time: 8,55
